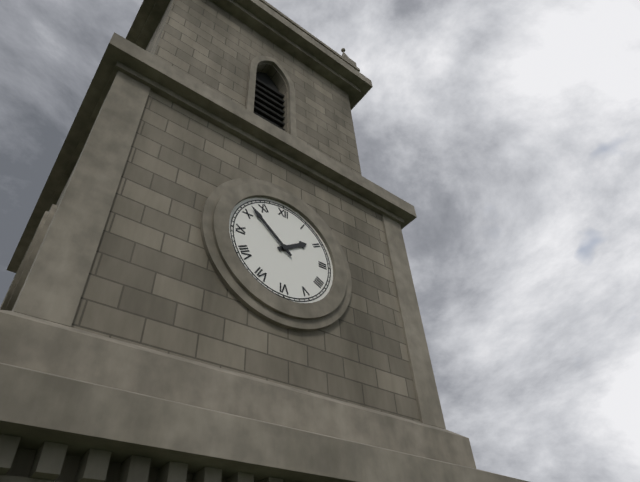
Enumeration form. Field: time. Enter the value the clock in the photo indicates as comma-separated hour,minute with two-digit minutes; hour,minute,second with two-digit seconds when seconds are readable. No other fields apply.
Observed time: 1,52
